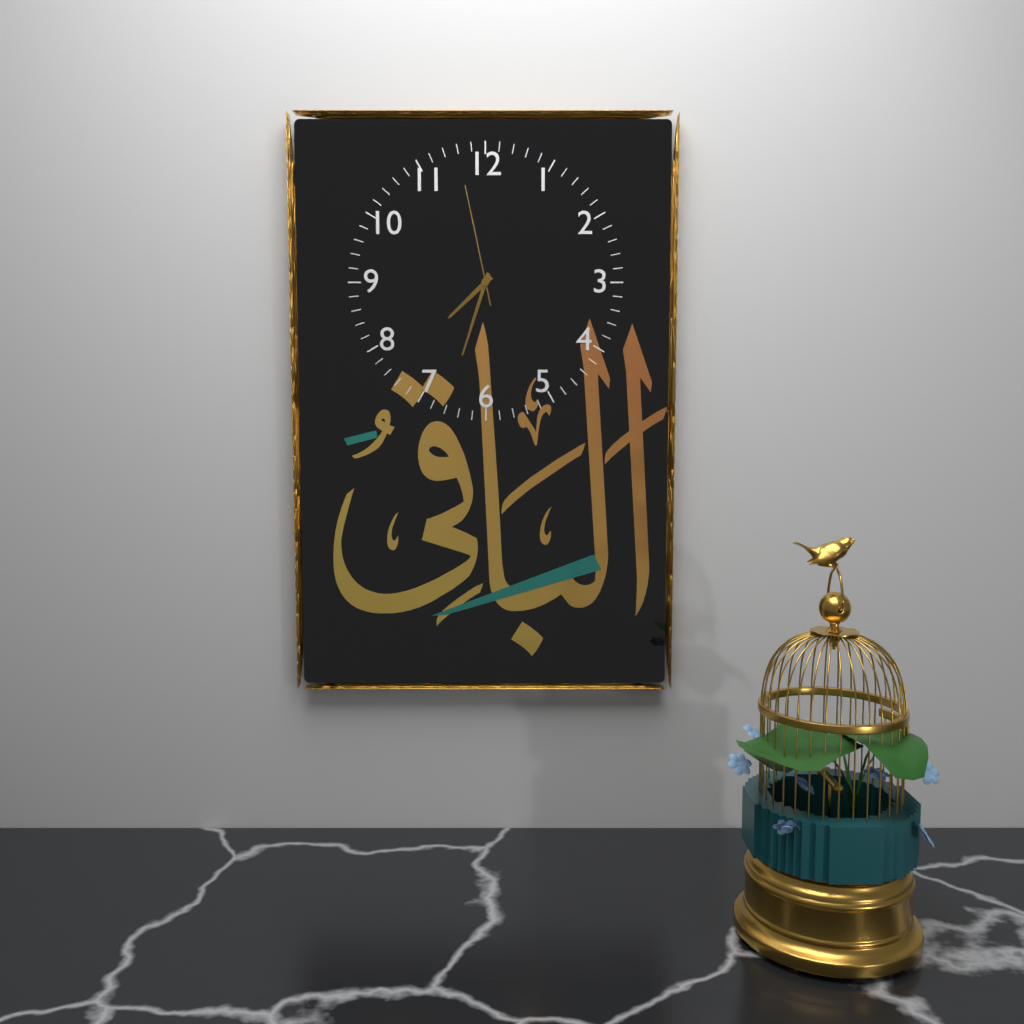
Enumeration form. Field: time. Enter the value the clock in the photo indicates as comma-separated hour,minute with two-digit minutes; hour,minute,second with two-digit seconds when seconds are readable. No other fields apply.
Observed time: 7,33,58
